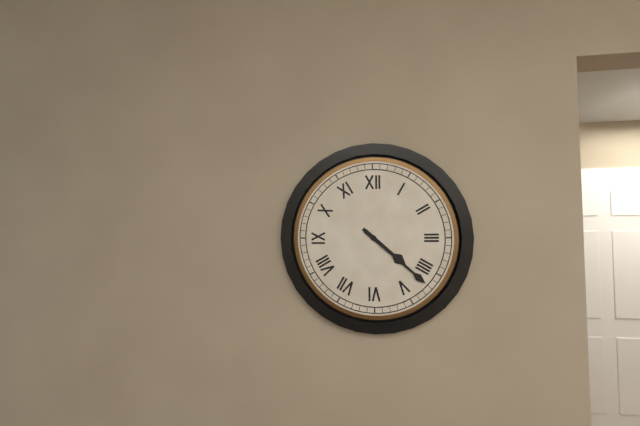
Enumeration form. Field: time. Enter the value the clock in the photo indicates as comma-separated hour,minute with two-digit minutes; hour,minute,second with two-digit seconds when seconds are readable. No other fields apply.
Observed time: 4,22
